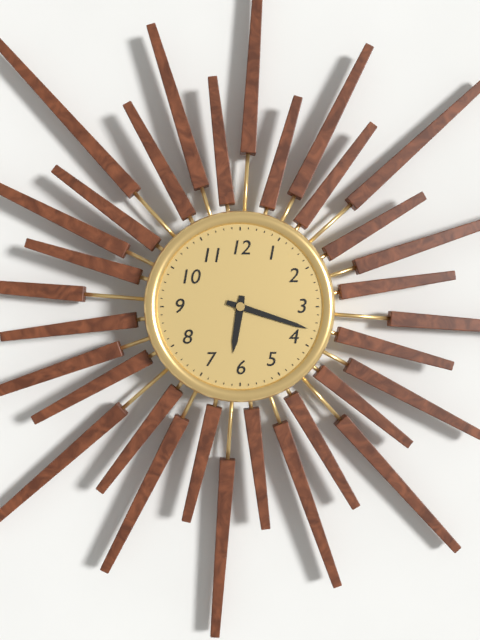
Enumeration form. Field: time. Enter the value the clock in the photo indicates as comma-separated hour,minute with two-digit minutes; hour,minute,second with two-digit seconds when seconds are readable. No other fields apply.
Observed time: 6,18
